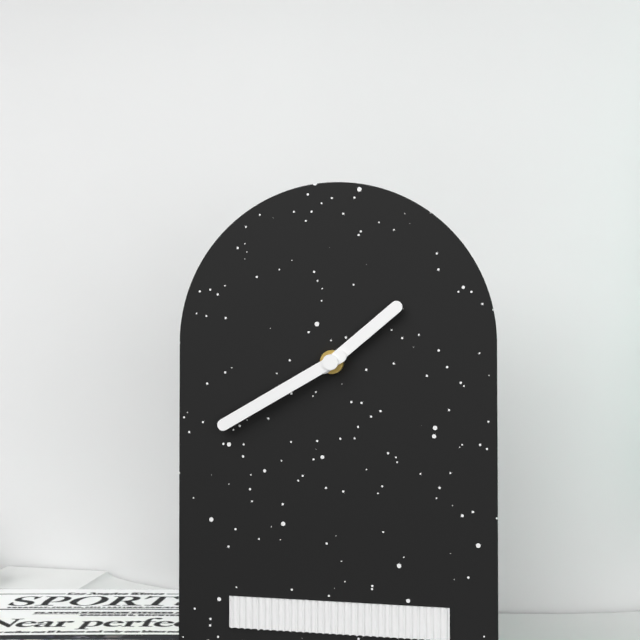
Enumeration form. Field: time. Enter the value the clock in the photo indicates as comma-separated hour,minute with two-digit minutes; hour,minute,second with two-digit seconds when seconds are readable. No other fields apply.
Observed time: 1,40
